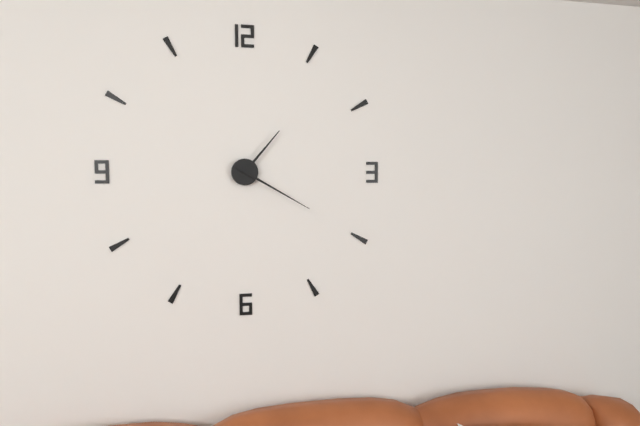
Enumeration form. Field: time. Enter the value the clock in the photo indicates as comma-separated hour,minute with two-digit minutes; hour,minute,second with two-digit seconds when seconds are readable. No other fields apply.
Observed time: 1,20
